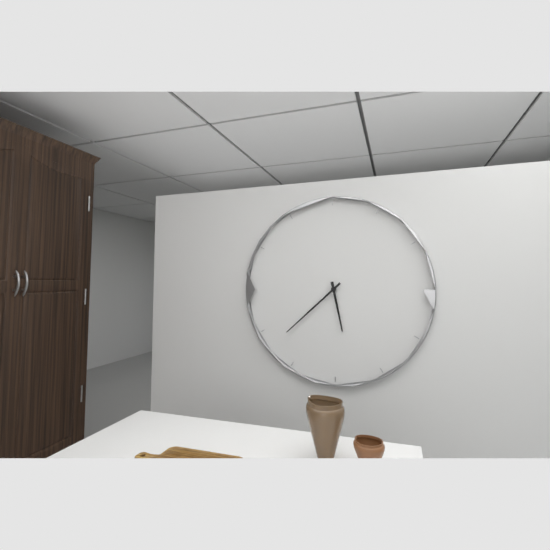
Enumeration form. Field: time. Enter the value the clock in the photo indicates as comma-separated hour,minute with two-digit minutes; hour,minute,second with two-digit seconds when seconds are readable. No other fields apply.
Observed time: 5,38
